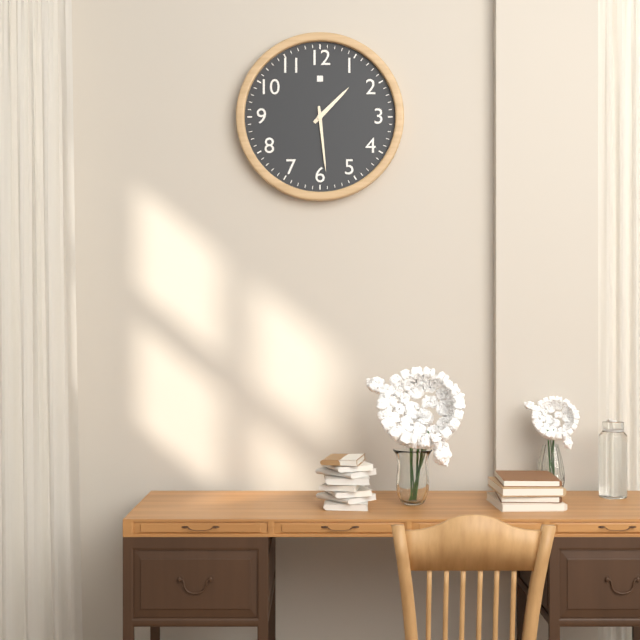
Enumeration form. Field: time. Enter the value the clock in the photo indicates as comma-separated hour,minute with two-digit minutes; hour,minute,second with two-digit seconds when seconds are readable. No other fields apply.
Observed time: 1,29
